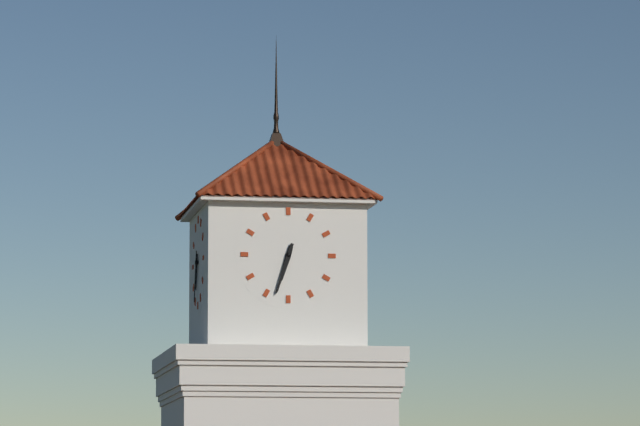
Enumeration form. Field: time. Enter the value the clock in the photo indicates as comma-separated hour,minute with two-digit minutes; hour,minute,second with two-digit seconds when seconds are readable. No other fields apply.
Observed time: 6,33
